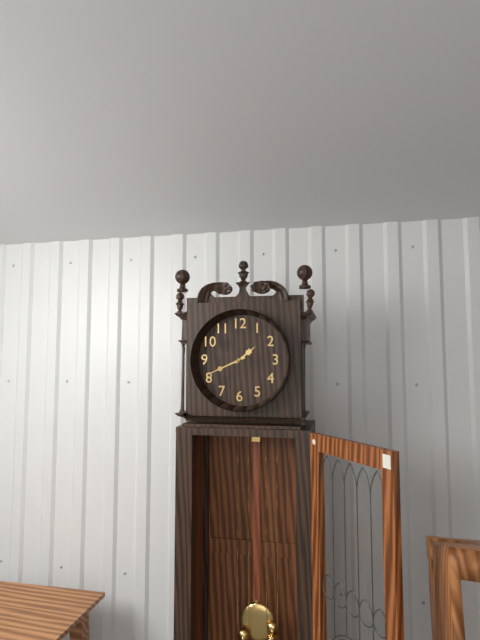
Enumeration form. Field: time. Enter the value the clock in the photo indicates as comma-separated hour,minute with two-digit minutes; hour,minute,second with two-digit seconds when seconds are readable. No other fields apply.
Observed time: 1,41
